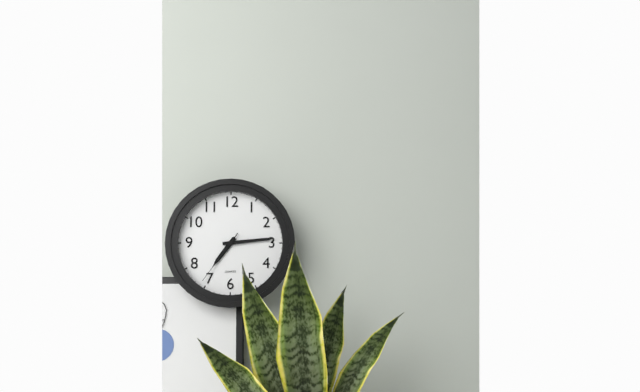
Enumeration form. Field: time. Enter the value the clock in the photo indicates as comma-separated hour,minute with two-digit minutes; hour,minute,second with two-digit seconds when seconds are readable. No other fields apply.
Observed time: 7,14,36
